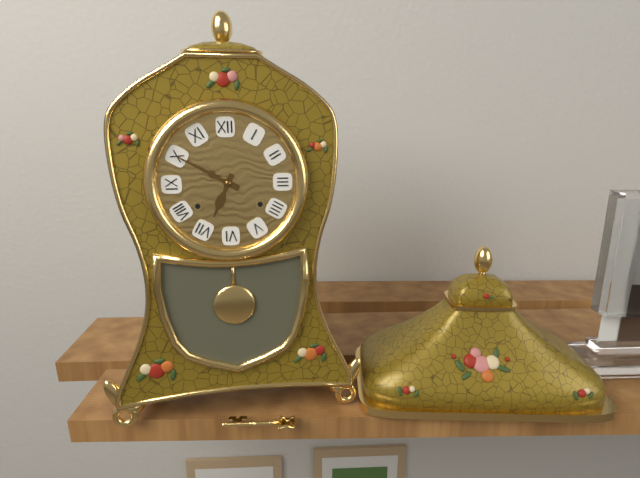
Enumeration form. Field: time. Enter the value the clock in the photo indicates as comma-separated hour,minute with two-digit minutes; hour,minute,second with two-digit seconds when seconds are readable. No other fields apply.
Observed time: 6,50
